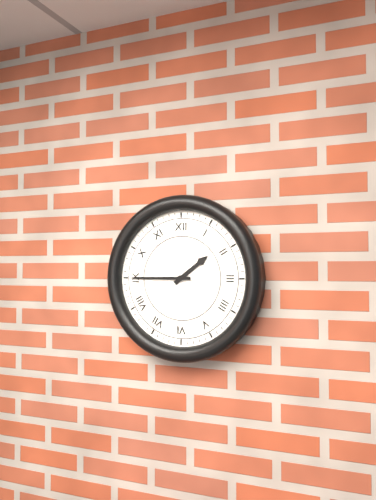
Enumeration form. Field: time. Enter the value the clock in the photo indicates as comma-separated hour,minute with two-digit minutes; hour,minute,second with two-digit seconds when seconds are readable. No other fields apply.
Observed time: 1,45
